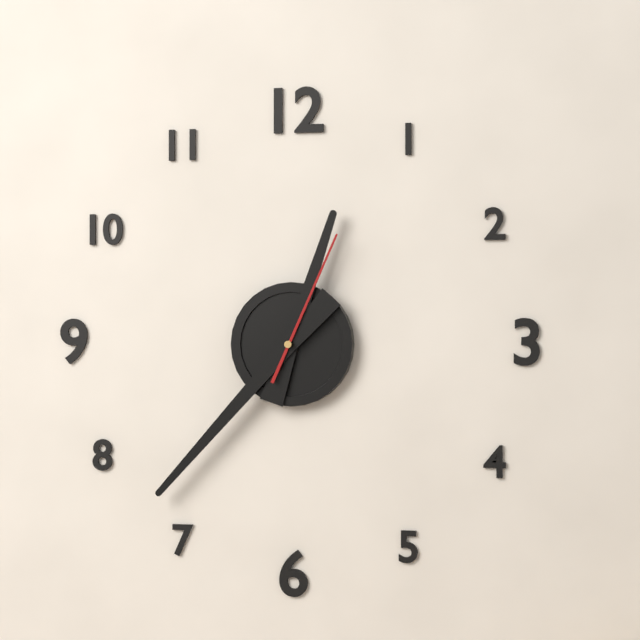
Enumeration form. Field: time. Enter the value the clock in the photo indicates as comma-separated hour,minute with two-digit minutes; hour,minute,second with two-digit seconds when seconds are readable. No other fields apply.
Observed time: 12,37,04
